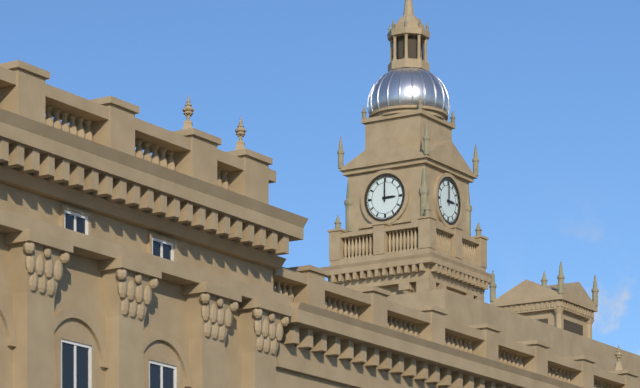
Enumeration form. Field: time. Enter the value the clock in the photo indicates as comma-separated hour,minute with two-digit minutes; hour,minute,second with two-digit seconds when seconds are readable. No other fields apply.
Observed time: 3,00
